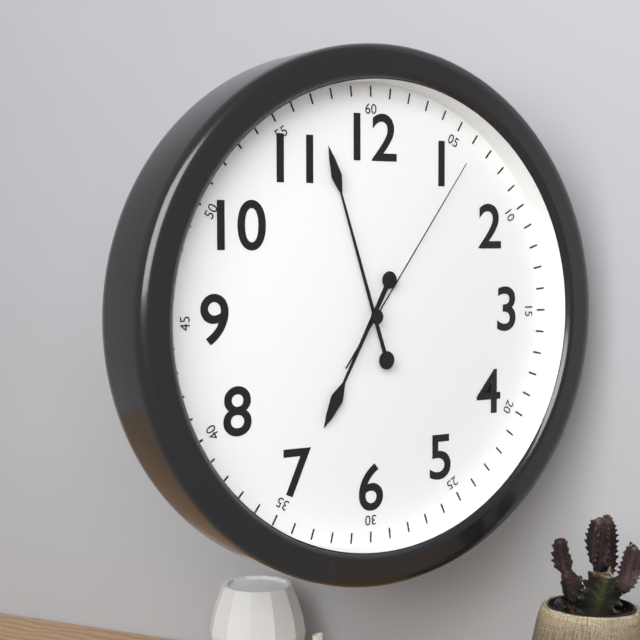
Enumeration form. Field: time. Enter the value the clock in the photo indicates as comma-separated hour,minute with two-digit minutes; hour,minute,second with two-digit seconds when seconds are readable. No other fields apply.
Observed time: 6,57,06
